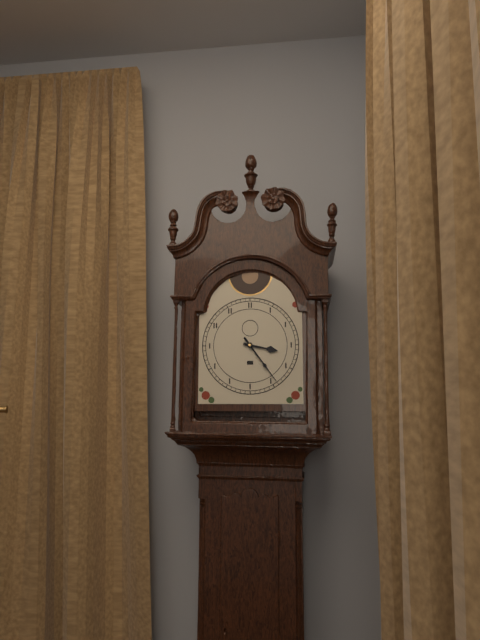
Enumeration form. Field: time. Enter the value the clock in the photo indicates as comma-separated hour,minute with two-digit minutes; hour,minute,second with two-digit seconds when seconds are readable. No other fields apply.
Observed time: 3,24
